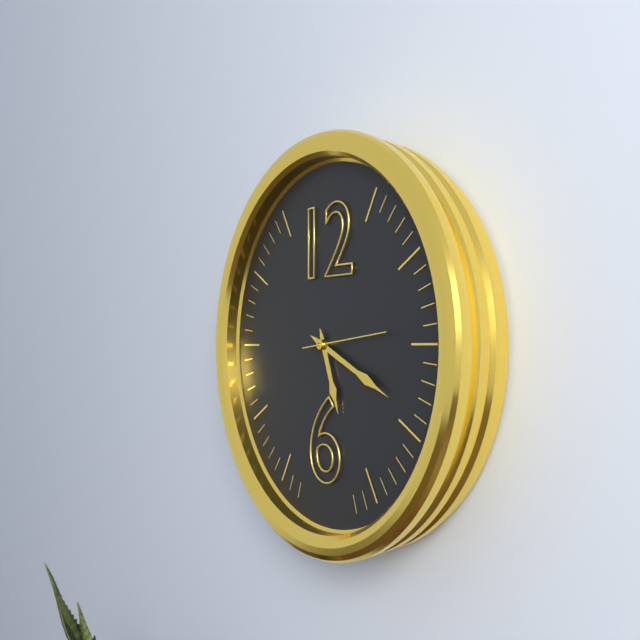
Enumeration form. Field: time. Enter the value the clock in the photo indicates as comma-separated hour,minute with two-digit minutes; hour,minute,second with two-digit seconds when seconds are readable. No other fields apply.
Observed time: 5,19
